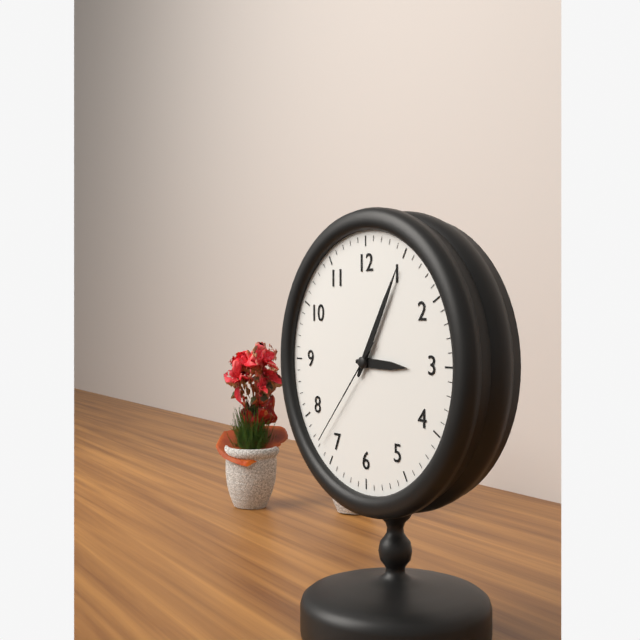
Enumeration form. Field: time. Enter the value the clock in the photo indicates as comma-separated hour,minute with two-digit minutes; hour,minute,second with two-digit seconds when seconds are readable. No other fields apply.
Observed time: 3,05,37
